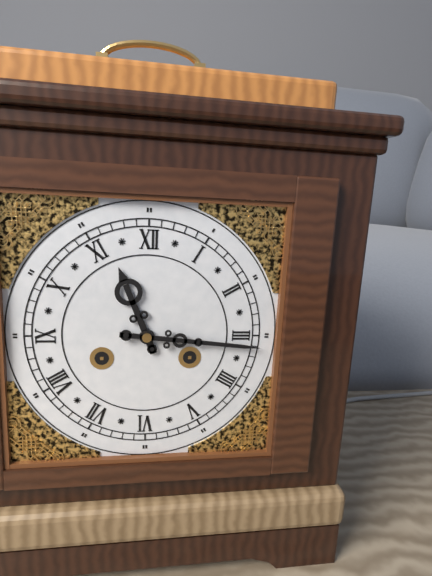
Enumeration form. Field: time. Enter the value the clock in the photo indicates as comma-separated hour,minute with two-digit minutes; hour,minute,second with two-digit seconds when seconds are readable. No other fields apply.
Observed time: 11,16
